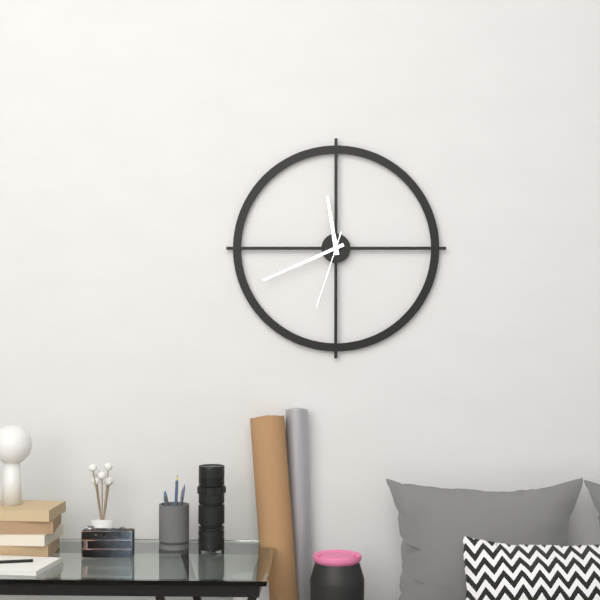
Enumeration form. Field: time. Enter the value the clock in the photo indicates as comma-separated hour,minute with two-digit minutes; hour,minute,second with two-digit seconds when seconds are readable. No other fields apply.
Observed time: 11,41,33
